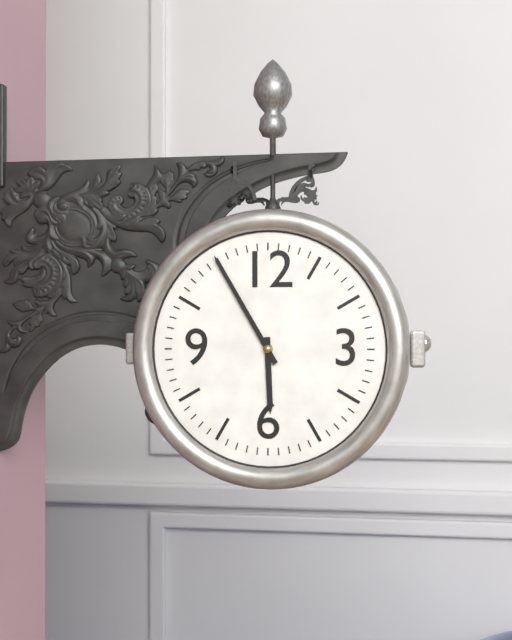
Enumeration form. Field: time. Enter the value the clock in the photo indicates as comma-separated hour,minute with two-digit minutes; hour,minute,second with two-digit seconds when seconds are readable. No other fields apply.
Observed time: 5,55
